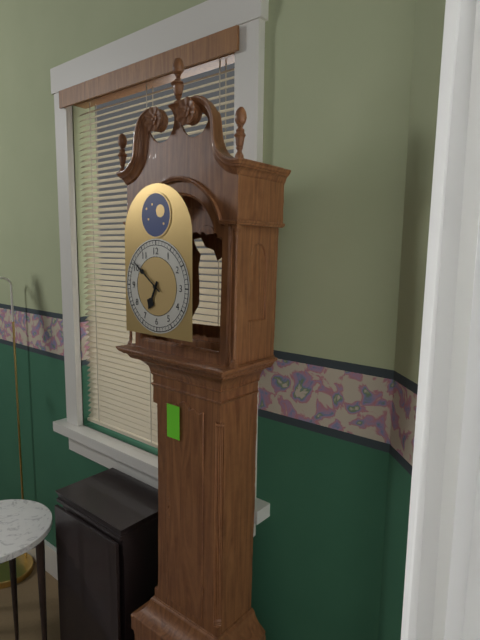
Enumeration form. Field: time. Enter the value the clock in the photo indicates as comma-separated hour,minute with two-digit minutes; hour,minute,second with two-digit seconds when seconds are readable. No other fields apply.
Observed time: 6,51
